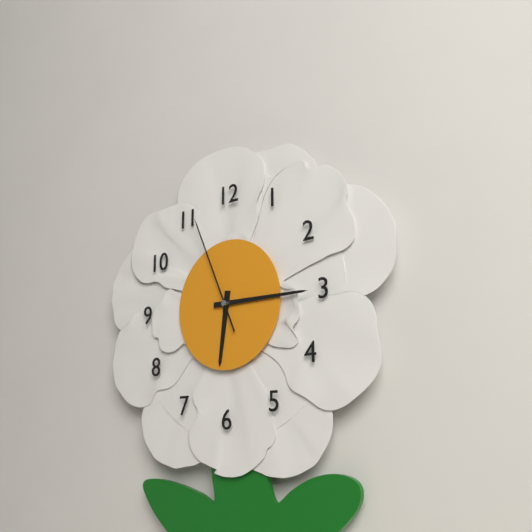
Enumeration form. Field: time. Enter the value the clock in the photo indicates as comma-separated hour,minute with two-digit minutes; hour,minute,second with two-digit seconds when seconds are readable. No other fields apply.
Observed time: 6,15,56
